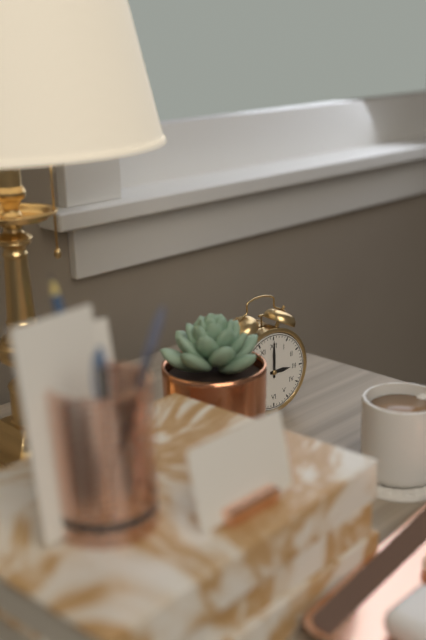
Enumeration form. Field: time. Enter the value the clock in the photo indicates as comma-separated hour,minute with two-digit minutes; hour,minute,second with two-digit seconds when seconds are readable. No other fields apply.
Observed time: 3,00
